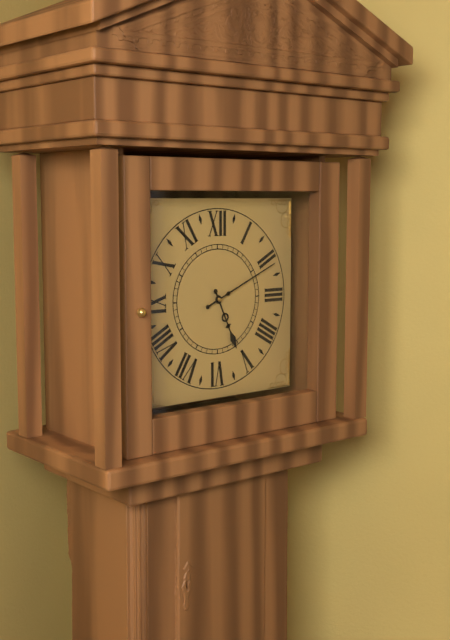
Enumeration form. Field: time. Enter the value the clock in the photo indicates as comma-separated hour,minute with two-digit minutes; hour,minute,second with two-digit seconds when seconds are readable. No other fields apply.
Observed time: 5,11
